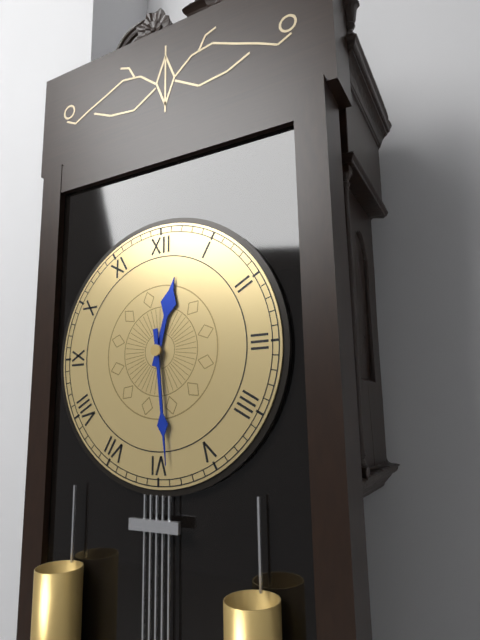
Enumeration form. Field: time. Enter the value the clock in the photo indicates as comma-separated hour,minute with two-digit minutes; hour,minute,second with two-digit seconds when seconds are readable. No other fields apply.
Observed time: 12,29
